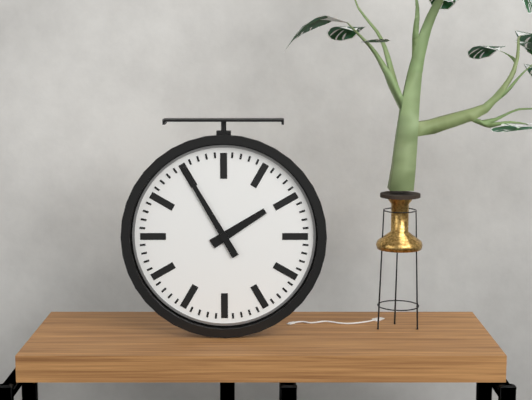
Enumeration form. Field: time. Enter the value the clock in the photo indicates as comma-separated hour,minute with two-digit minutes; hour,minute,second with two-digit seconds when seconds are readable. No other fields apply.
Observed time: 1,55
